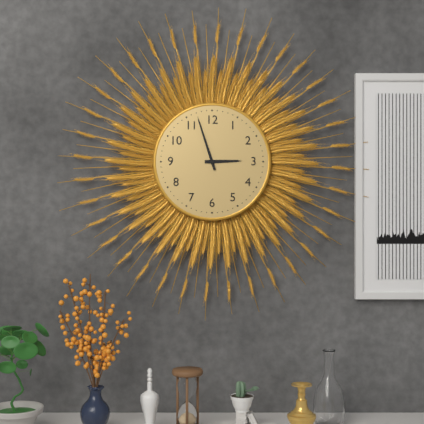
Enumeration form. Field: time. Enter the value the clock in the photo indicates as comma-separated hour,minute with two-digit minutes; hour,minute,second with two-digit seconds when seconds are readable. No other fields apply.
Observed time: 2,57
